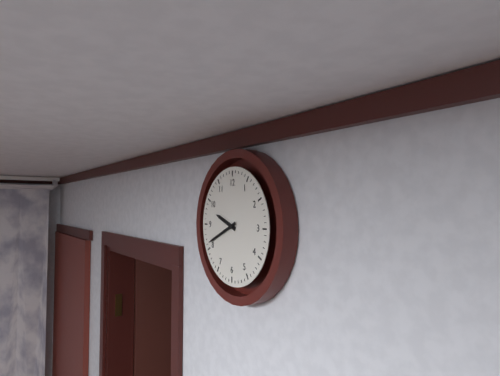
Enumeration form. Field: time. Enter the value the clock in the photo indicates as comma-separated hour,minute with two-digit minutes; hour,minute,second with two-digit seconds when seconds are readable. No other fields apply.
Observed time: 9,41
